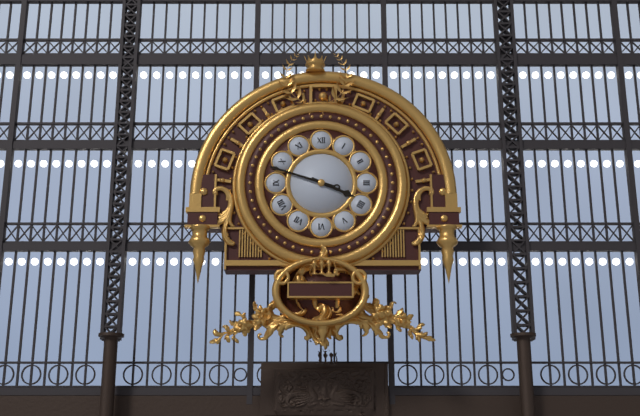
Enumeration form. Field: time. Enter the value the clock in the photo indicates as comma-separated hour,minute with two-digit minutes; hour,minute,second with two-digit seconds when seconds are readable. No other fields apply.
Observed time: 3,48
